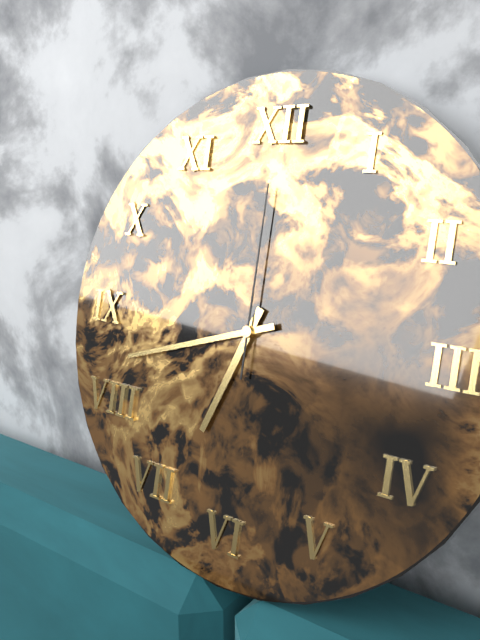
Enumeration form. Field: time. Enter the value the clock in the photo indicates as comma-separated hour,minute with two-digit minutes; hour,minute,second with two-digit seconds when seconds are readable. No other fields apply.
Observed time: 6,42,00
